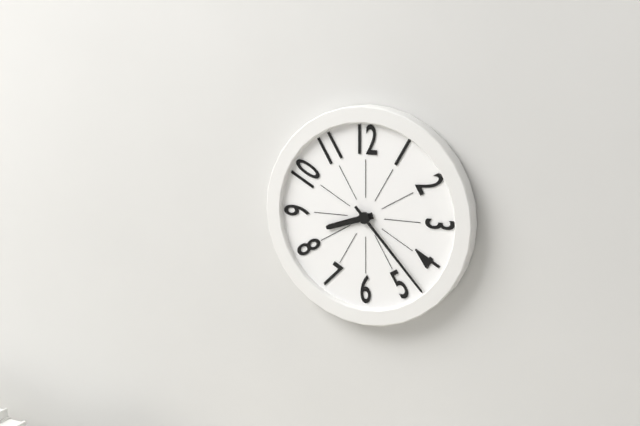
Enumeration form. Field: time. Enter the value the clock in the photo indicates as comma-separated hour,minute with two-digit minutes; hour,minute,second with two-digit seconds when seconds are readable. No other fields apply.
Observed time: 8,23
